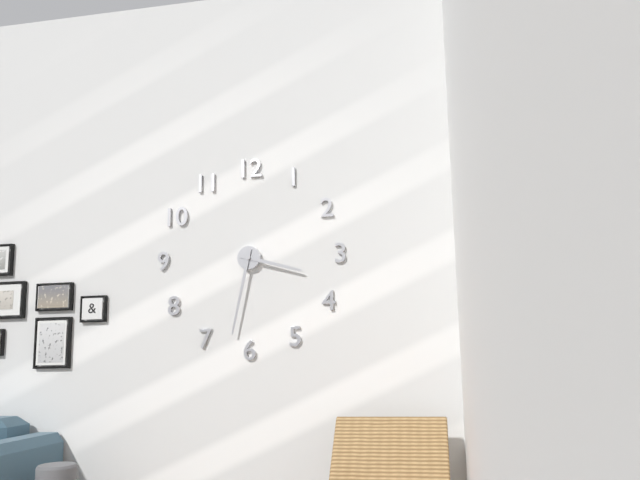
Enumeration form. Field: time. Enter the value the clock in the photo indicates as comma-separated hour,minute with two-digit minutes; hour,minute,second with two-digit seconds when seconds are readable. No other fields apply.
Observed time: 3,32
